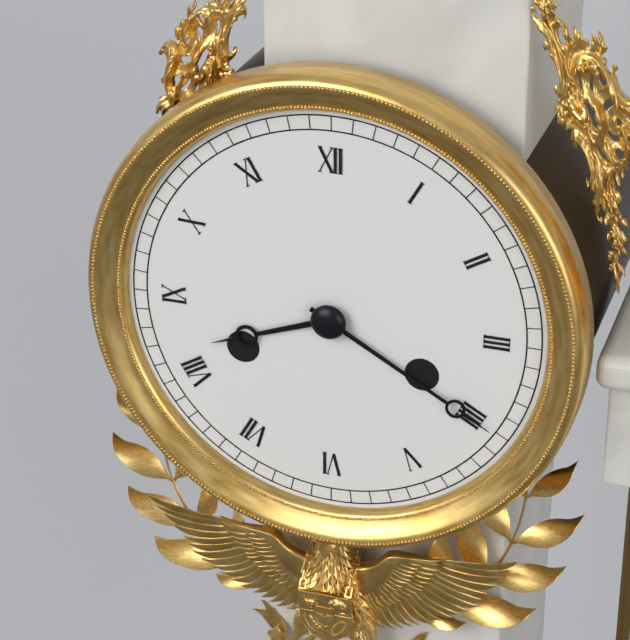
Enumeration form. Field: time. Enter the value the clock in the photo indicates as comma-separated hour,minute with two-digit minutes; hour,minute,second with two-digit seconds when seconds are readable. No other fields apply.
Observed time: 8,20
